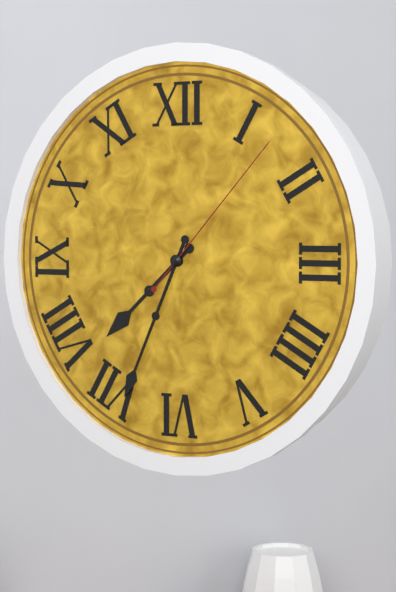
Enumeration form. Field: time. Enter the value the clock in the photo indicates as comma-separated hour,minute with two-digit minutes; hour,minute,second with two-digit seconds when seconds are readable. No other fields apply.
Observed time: 7,34,07
